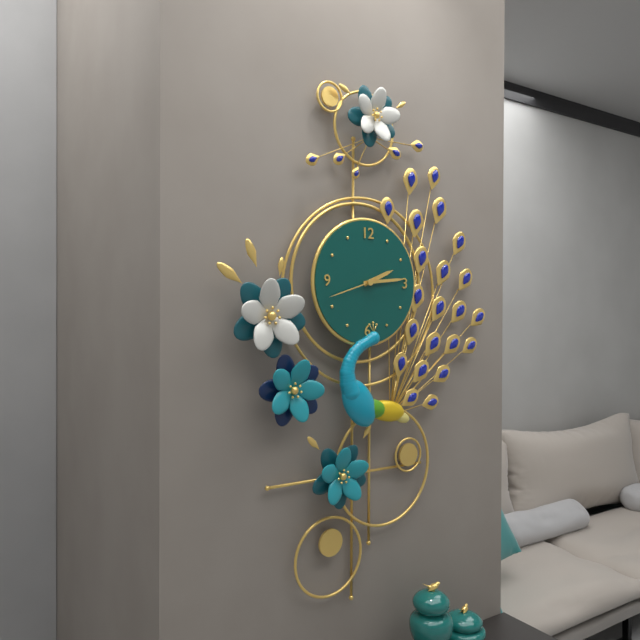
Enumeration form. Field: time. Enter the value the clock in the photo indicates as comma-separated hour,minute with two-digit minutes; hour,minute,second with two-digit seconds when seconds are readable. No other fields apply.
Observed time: 2,14,42
